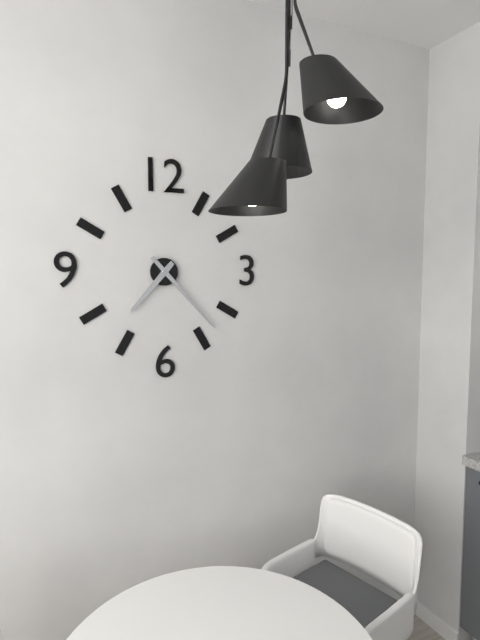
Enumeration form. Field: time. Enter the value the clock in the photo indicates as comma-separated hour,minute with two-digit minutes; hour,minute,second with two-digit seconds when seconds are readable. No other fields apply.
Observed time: 7,23
